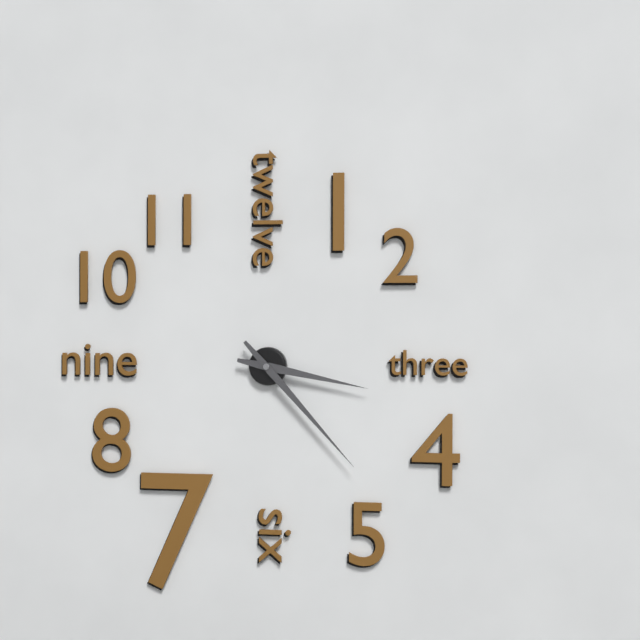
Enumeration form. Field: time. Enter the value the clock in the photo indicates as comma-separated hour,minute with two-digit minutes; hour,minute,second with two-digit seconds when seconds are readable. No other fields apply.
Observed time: 3,23
